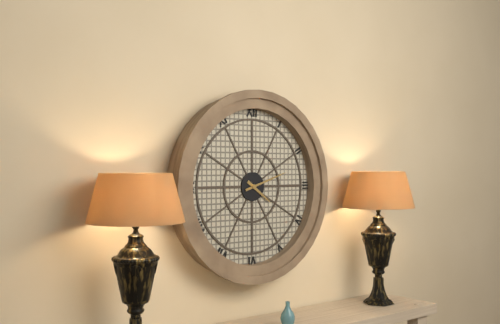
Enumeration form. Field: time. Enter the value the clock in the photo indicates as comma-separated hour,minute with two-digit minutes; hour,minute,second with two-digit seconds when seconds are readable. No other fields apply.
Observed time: 4,12
